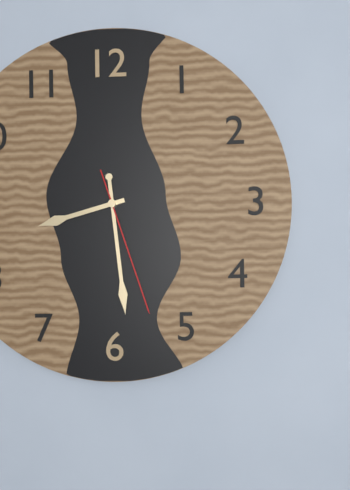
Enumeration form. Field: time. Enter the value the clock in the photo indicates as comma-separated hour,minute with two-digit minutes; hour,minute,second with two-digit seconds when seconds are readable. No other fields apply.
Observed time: 8,29,27
